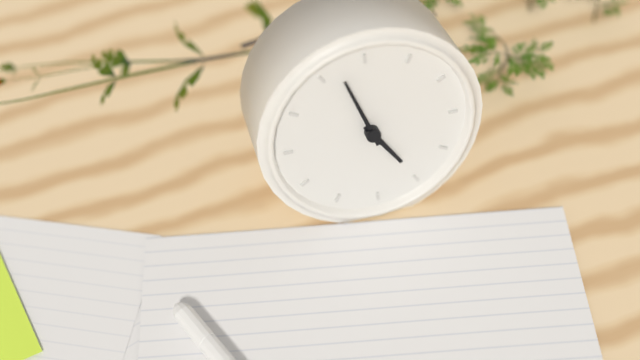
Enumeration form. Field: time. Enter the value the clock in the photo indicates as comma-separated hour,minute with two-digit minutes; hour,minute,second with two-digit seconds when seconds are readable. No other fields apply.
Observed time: 4,57
